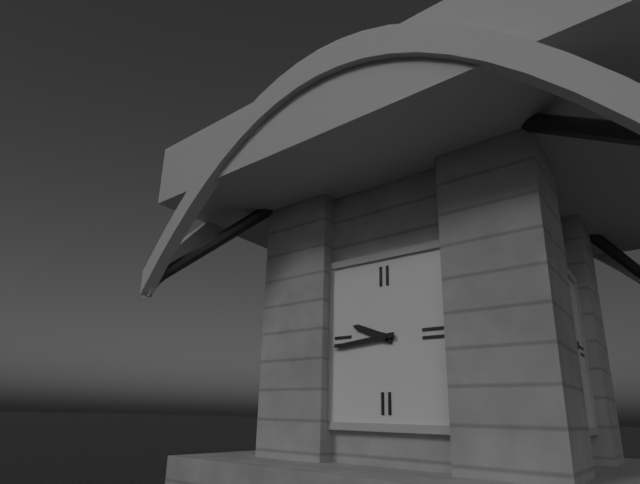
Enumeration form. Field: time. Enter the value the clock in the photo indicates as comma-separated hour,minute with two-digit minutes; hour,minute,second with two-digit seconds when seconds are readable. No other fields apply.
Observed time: 9,44
